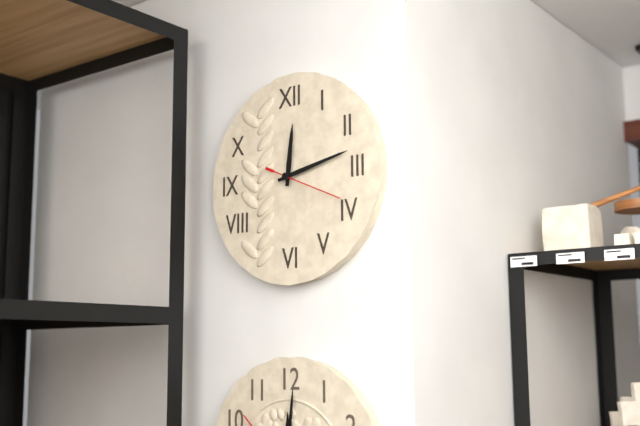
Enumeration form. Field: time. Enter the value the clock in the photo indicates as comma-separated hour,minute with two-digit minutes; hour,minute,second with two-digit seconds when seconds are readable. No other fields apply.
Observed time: 12,13,19
